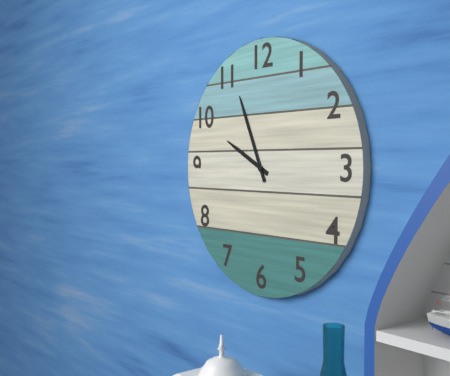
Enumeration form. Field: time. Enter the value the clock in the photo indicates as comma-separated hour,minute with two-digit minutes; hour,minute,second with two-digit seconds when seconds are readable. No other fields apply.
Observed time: 9,56
